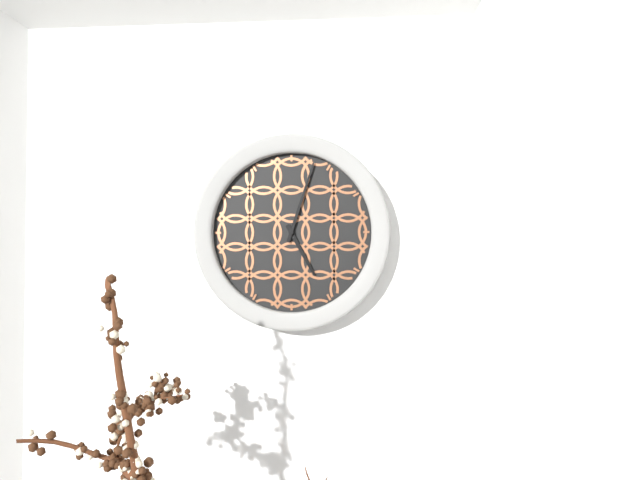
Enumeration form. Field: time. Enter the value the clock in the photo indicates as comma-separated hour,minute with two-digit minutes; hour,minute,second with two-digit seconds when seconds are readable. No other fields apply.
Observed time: 5,03
